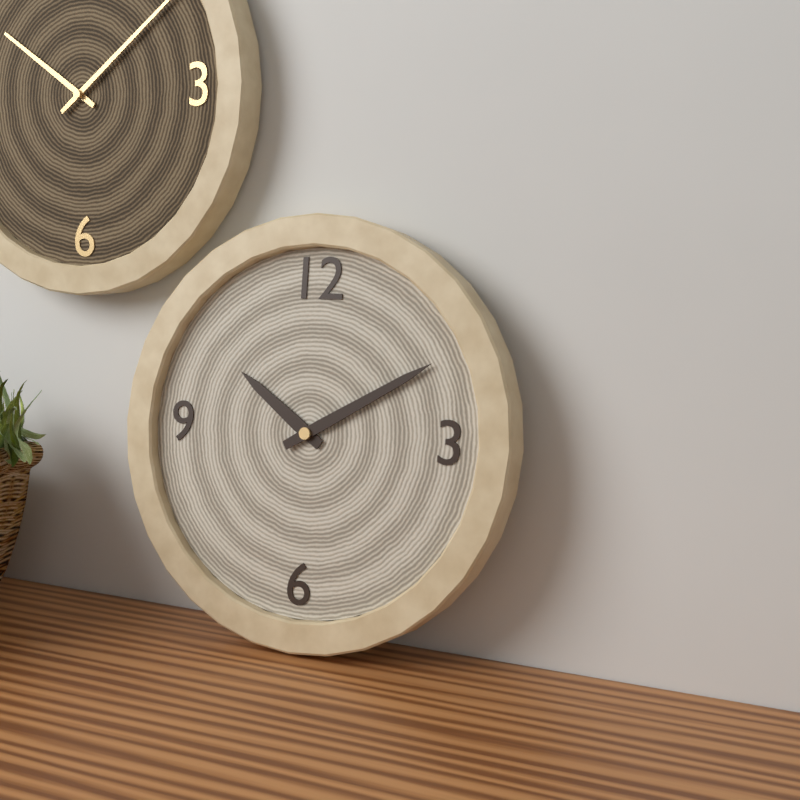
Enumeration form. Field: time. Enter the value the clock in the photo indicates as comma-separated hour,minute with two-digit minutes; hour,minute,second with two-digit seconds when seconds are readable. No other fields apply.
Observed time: 10,10
